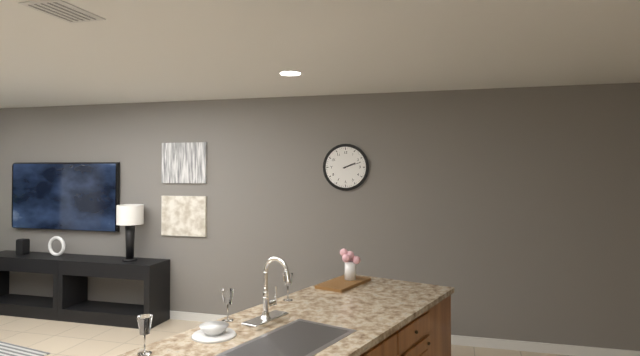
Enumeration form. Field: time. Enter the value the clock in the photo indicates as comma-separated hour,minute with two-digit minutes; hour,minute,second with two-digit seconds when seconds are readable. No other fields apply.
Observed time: 2,12
